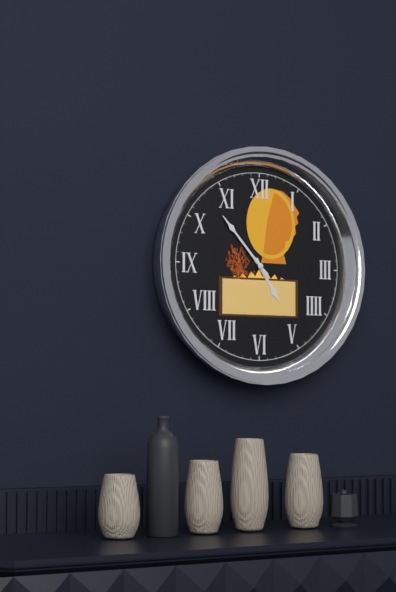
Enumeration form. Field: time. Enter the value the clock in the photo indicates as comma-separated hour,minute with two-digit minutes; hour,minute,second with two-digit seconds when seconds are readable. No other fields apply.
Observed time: 4,53
